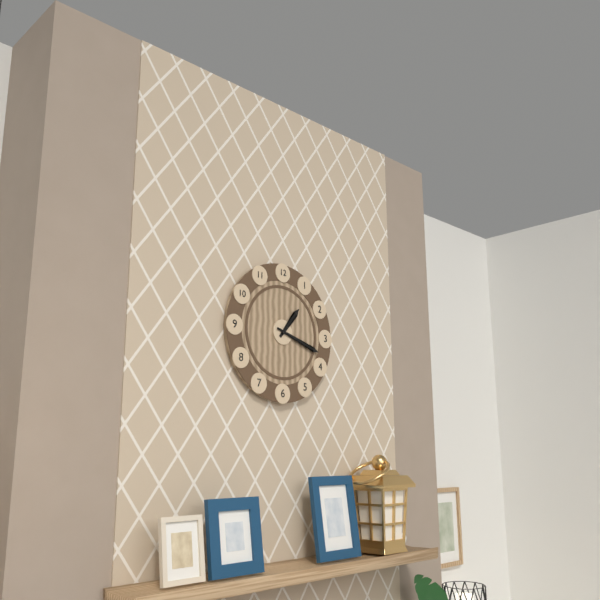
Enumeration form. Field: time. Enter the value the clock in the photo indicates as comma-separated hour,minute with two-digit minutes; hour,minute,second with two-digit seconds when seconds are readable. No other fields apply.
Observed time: 1,18
